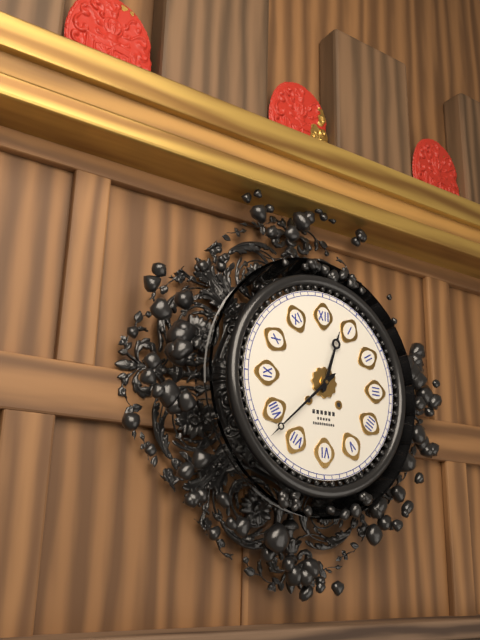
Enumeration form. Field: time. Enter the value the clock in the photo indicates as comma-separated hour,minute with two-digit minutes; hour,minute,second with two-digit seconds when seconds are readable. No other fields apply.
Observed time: 12,38
